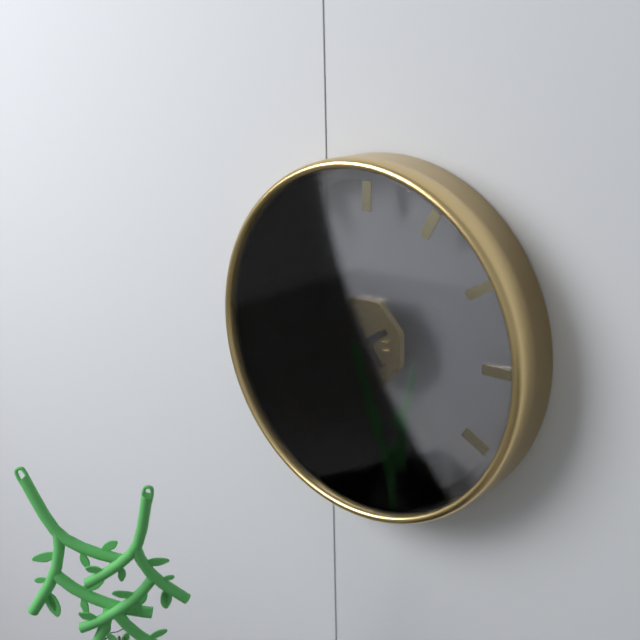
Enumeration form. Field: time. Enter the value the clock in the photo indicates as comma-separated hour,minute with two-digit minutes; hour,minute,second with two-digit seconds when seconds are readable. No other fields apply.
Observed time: 7,53
